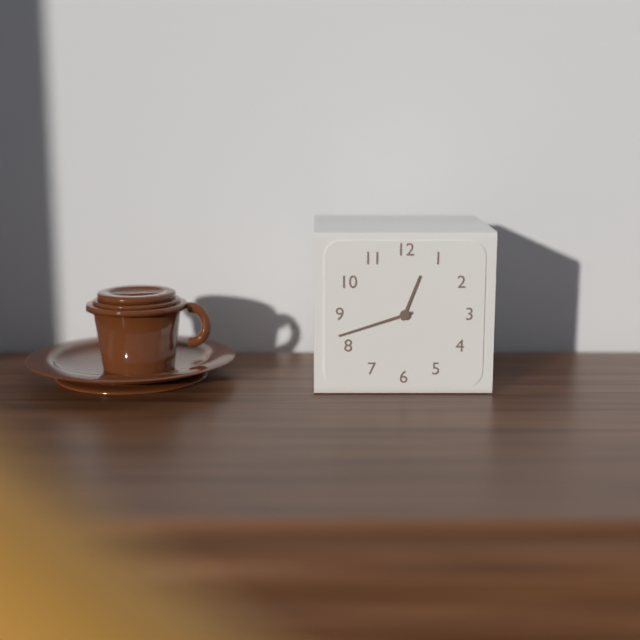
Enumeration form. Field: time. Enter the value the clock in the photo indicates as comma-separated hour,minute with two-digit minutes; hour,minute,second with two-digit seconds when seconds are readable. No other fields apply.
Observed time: 12,42
